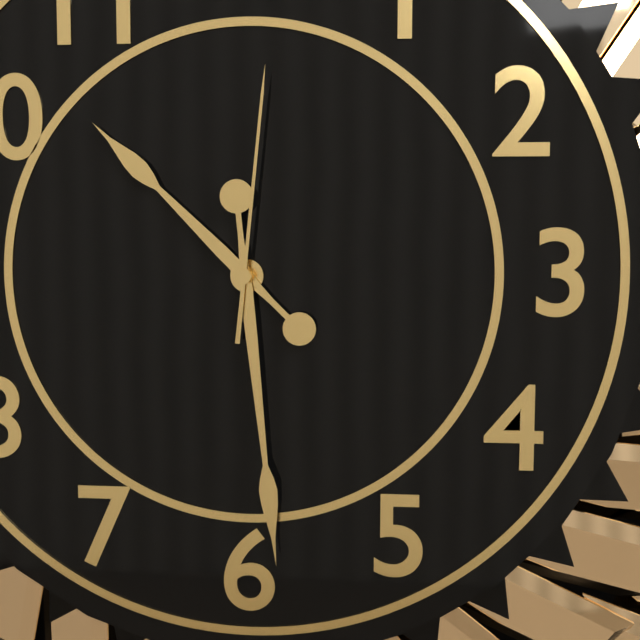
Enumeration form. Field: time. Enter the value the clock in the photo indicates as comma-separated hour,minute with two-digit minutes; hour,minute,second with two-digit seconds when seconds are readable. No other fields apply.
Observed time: 10,29,01
